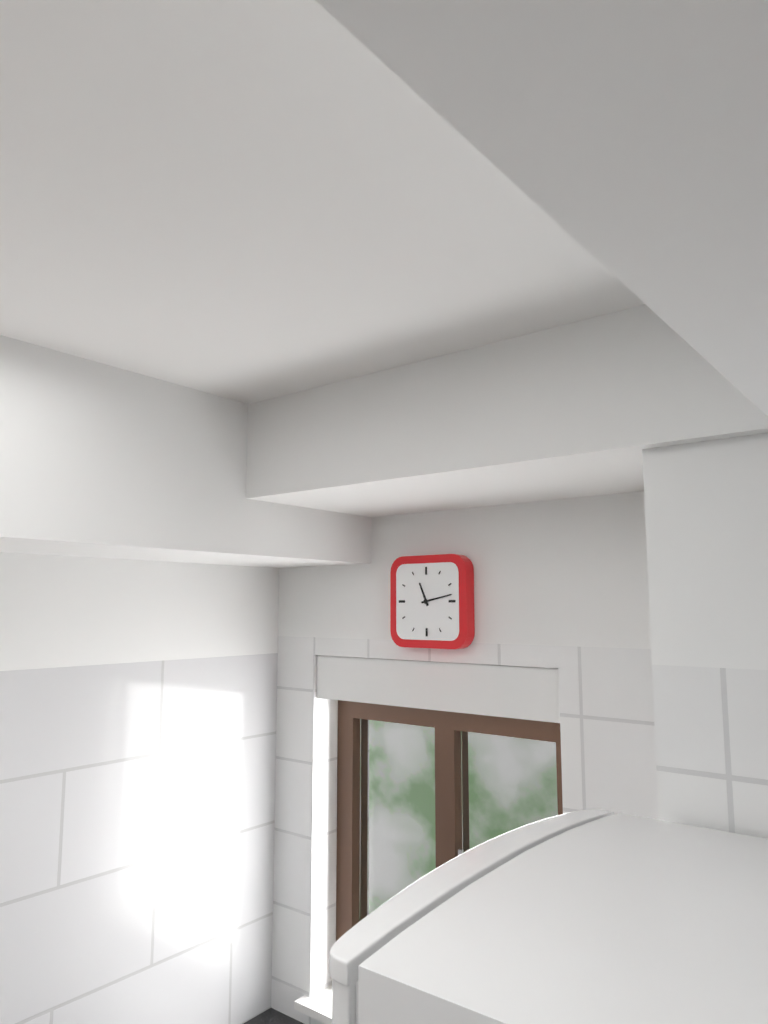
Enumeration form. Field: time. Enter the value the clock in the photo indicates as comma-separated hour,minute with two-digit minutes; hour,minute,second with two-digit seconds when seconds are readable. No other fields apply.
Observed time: 11,13
